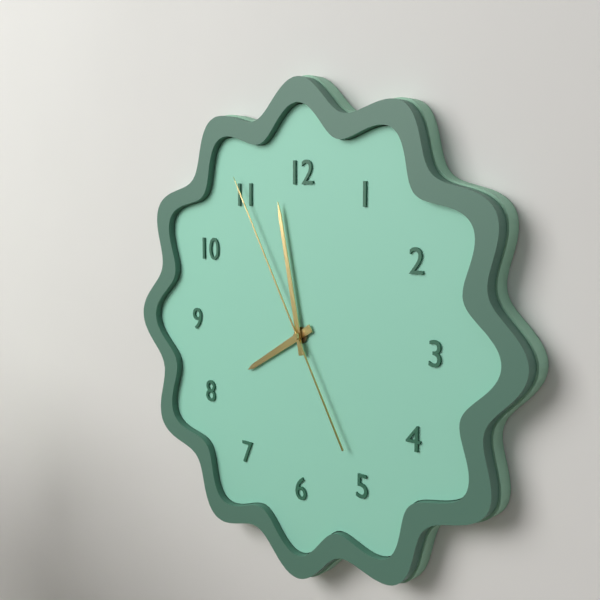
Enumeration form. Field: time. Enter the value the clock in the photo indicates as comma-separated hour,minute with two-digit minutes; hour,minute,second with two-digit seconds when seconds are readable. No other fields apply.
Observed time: 7,58,55
